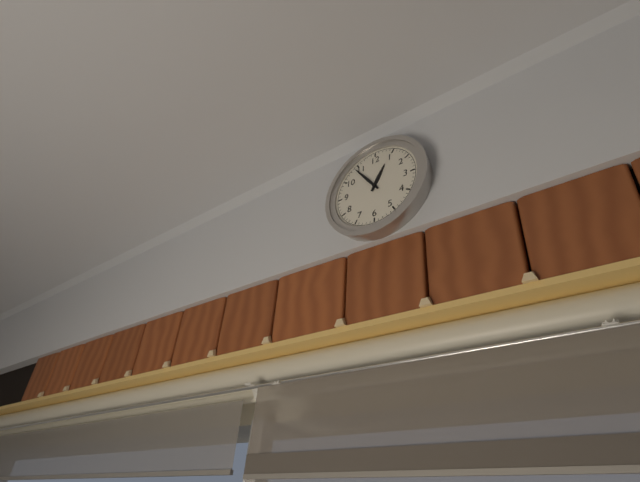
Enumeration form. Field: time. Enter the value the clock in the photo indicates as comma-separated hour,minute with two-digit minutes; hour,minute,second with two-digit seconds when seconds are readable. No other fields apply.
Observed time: 12,54
